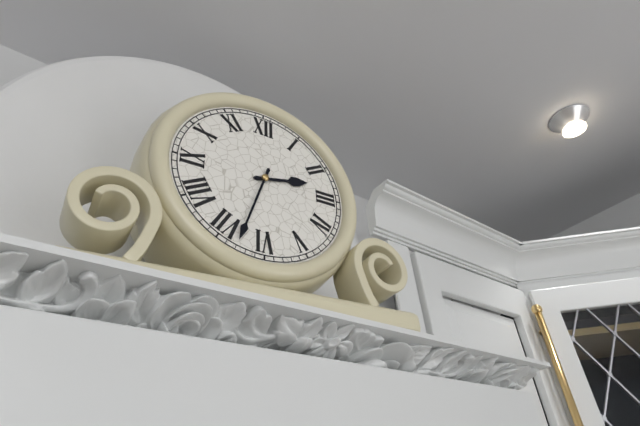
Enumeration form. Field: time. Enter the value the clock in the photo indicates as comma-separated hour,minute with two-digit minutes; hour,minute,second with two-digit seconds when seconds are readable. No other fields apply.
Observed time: 2,33
